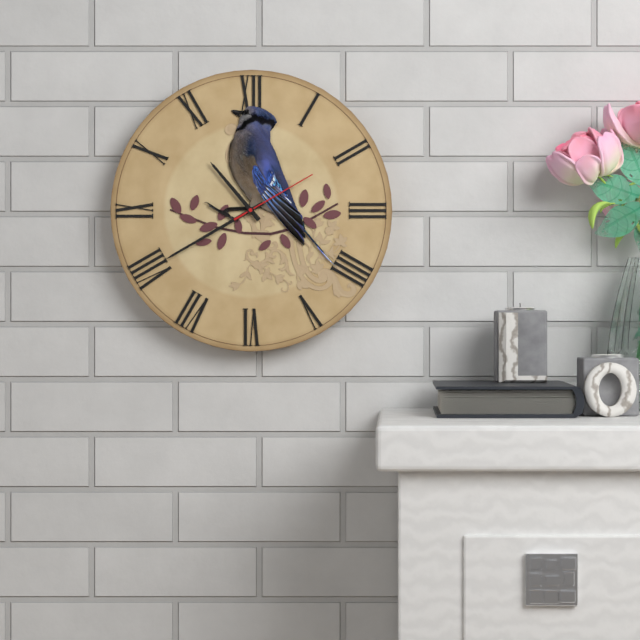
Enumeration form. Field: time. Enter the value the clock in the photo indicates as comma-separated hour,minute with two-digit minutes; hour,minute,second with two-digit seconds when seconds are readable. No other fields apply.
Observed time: 10,40,10
